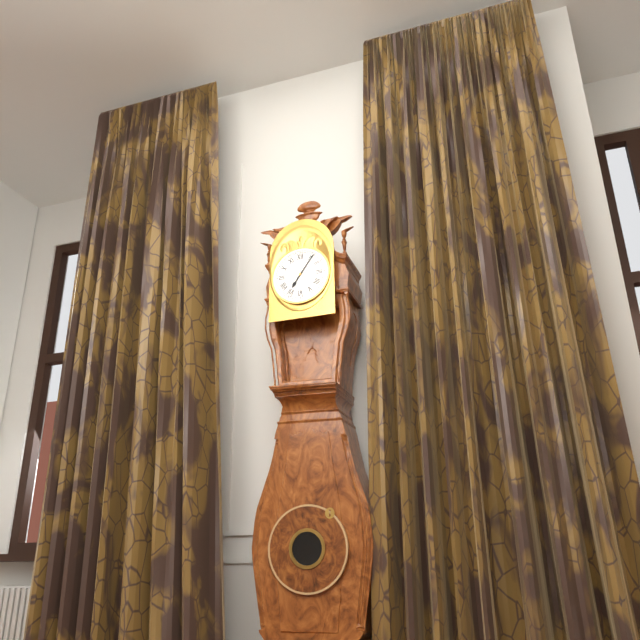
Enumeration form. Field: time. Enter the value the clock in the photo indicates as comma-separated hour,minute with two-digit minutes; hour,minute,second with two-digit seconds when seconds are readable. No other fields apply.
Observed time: 7,06
